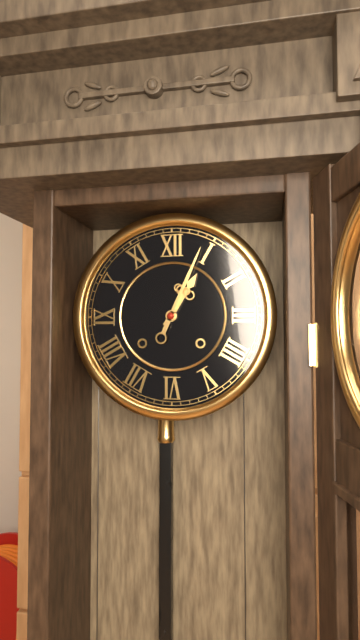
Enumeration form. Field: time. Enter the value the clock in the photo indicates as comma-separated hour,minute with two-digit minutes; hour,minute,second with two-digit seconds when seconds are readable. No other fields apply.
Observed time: 1,04
